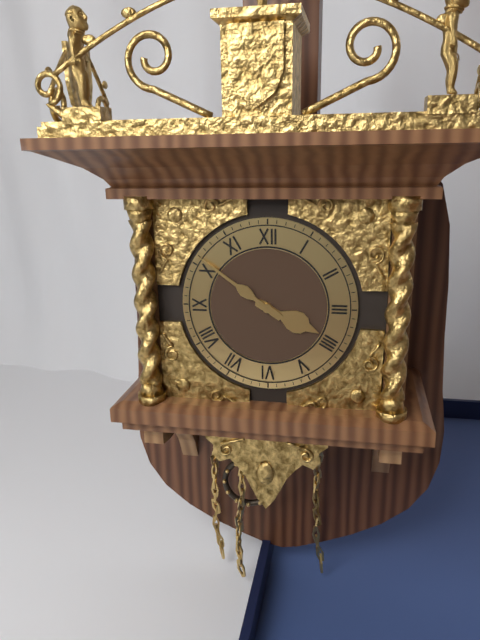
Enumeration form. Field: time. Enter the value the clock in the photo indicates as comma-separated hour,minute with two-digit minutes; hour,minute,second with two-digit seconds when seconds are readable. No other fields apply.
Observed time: 3,51
